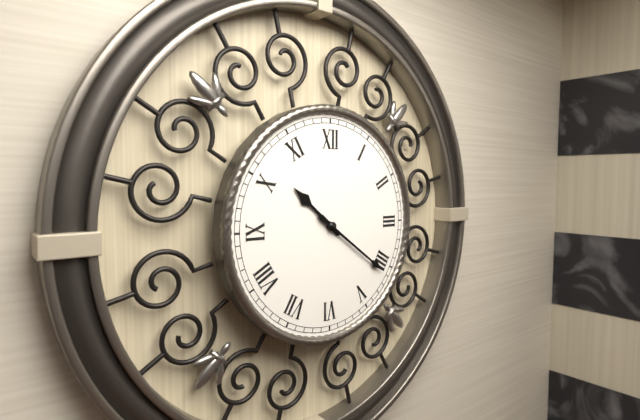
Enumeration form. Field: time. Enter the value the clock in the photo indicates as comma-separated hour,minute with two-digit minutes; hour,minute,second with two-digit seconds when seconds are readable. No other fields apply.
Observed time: 10,21
